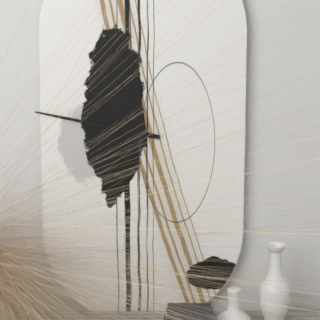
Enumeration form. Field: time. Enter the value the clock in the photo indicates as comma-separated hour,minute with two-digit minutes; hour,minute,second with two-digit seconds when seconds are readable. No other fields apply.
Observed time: 11,47
